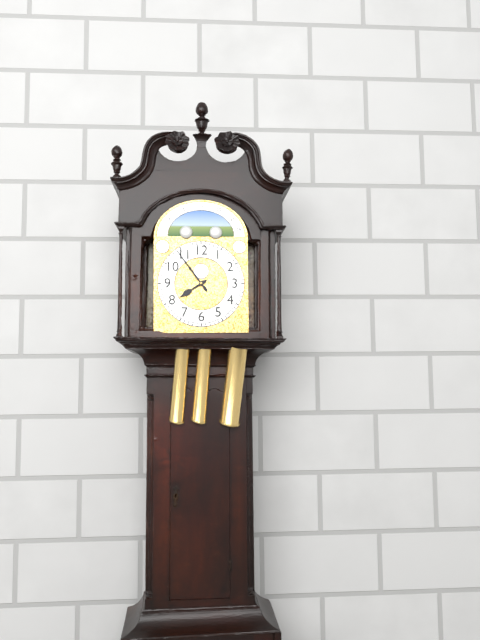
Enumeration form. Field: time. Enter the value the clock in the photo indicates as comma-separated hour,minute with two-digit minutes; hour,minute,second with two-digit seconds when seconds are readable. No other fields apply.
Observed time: 7,54
